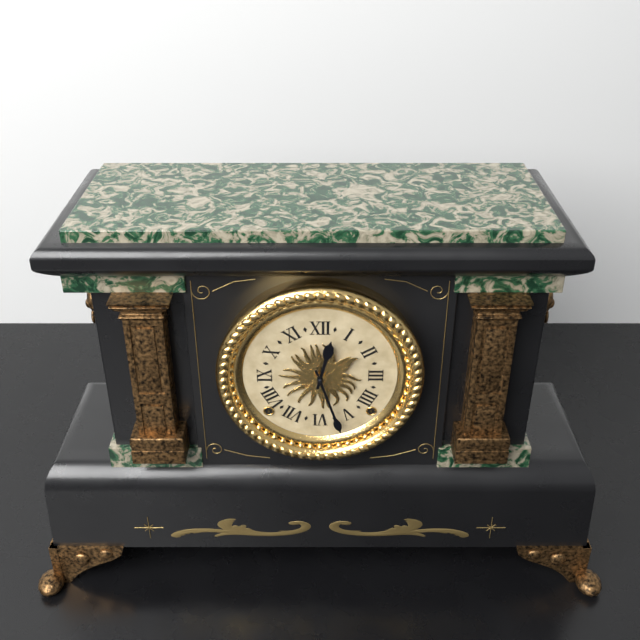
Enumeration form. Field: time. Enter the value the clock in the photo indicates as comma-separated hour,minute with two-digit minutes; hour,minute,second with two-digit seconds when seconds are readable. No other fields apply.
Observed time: 12,27
